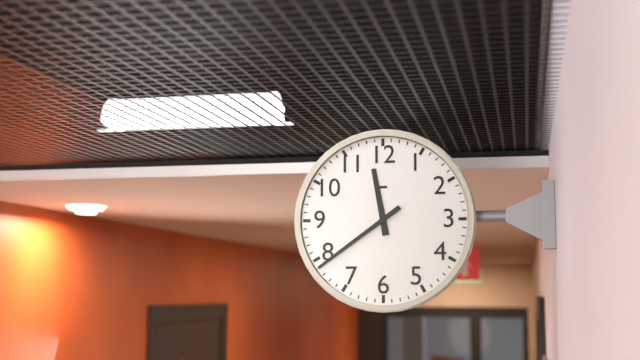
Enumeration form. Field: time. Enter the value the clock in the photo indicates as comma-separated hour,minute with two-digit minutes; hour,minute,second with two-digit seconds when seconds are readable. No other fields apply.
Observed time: 11,39
